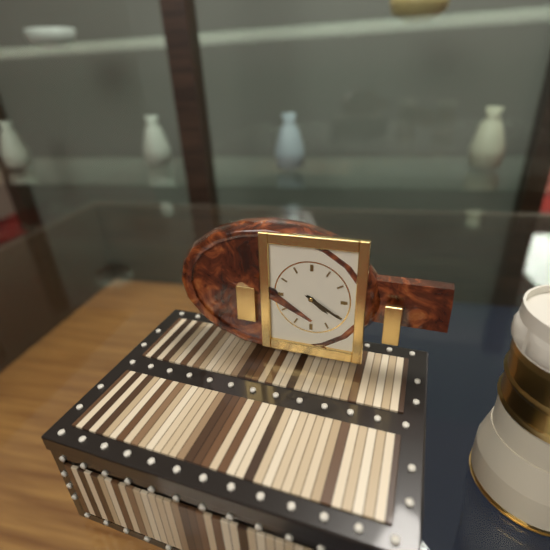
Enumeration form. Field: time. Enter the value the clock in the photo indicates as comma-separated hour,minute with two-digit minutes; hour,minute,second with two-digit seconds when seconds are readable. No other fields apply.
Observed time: 4,20
